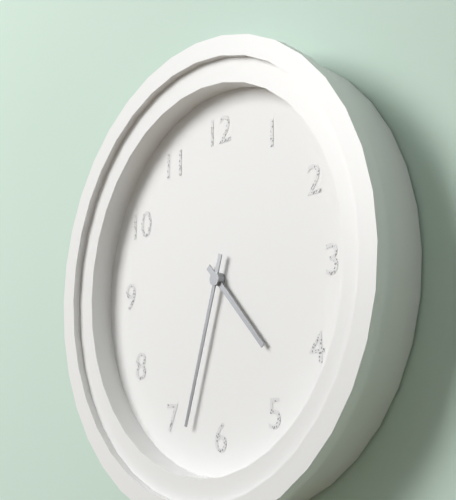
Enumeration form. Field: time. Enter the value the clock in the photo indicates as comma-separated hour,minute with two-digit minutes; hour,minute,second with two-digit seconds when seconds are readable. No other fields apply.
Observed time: 4,33
